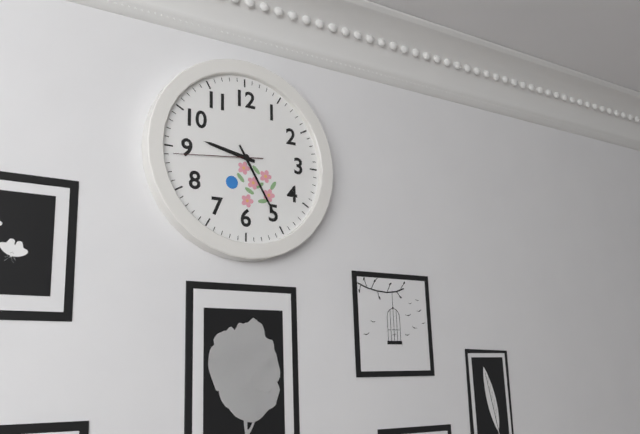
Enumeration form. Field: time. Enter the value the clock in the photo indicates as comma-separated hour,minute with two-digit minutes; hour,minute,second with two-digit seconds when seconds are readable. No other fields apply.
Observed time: 9,25,44
